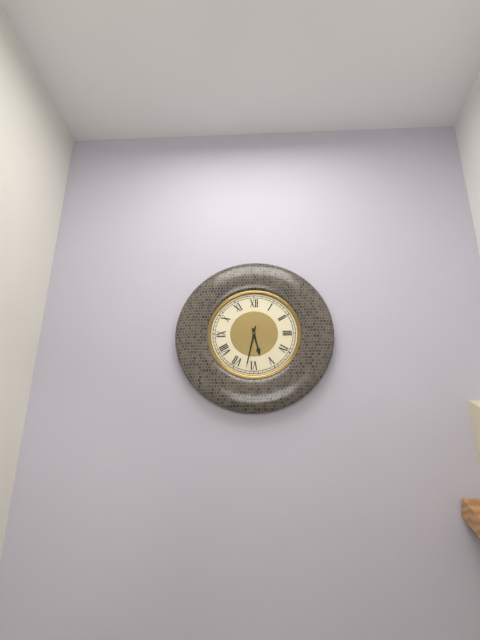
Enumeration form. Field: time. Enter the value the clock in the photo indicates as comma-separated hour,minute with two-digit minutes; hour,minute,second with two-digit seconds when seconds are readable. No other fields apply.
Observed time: 5,32
